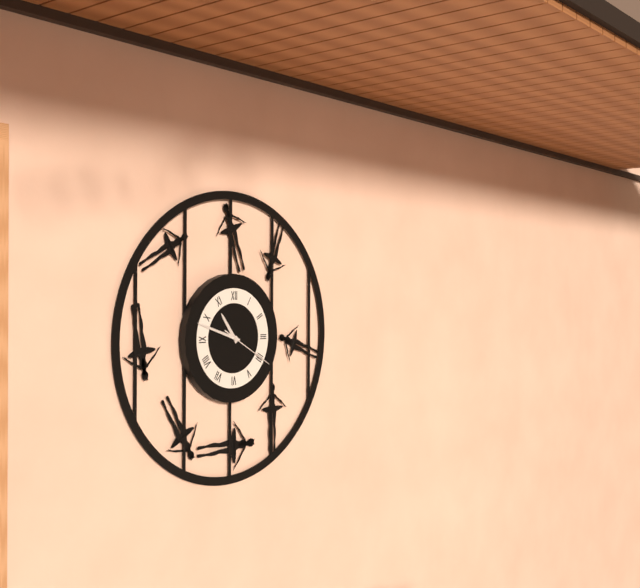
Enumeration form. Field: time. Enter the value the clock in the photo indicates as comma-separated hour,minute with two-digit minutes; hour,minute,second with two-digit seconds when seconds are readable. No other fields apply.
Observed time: 10,48,20
